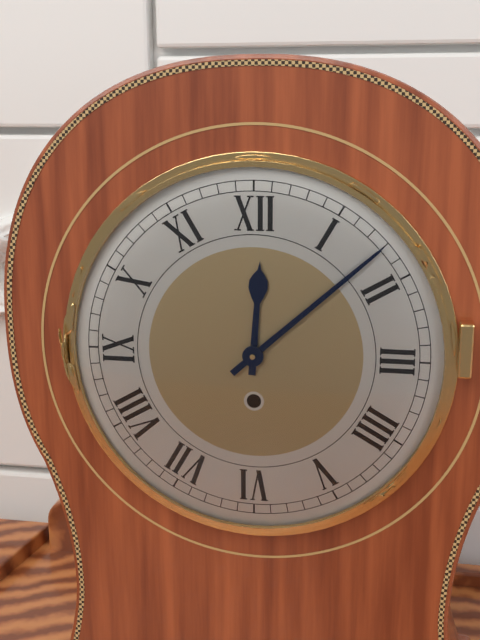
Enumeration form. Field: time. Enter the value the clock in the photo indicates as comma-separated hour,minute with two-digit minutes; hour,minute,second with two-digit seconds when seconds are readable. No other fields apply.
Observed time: 12,08
